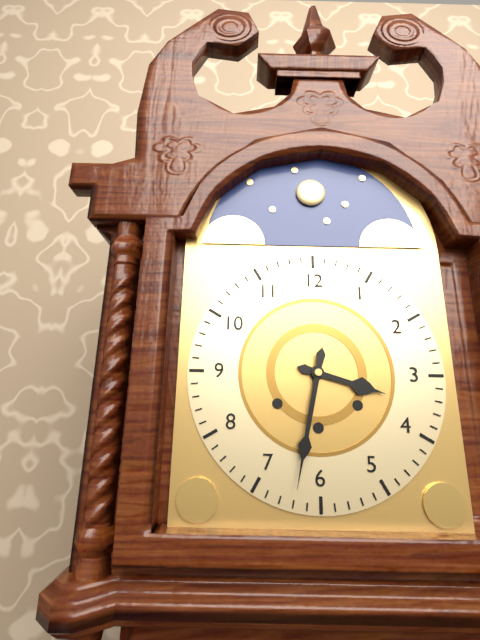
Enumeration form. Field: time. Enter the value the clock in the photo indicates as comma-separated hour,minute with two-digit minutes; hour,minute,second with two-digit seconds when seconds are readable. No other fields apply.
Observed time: 3,32
